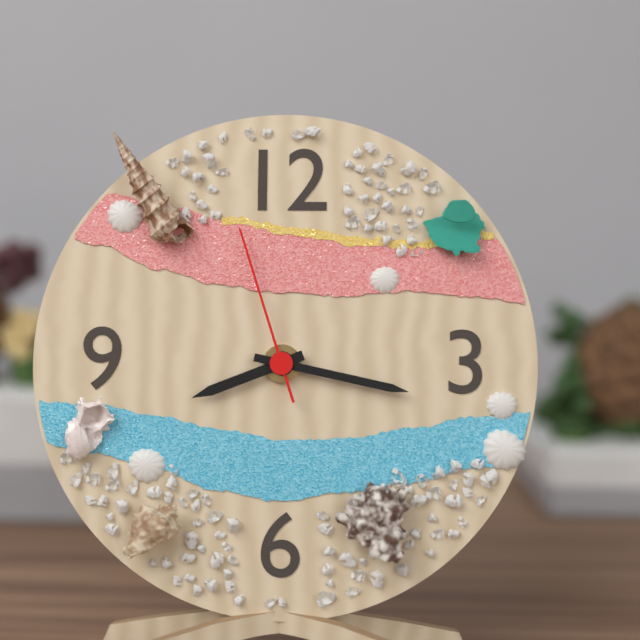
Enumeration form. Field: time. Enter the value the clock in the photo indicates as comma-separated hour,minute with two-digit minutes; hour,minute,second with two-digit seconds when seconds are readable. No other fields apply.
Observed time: 8,17,57
